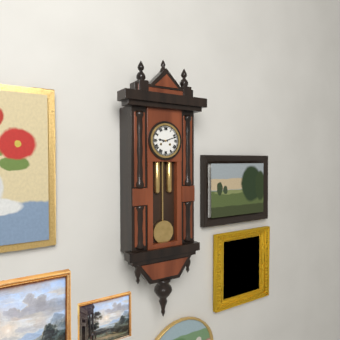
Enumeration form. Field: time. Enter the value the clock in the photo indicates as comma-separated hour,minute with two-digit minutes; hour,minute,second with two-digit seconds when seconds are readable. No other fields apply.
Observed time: 9,12
